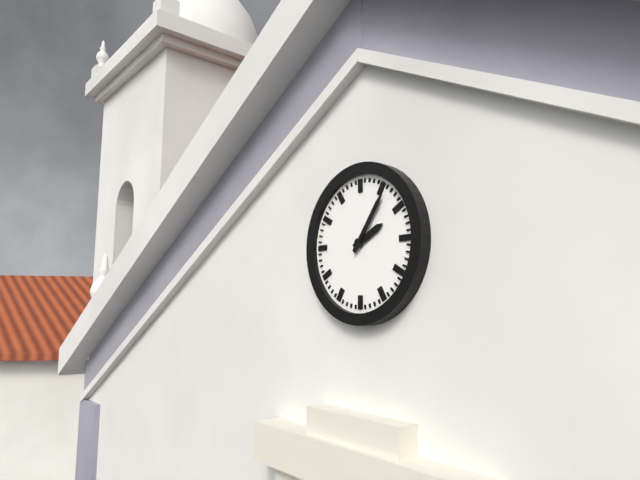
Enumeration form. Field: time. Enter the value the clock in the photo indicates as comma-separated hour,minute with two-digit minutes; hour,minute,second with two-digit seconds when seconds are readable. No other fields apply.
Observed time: 2,06
